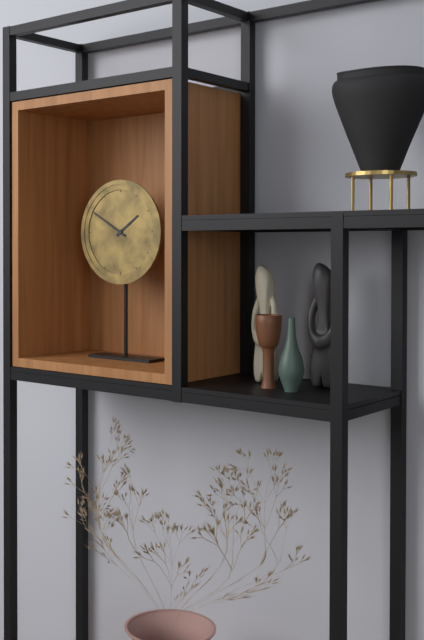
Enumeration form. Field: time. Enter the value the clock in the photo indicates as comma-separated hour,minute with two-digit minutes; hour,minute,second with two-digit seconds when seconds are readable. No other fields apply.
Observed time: 1,50
